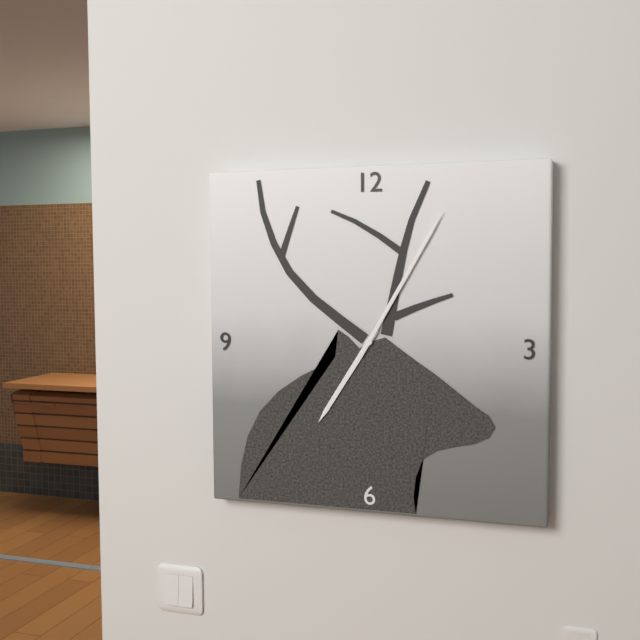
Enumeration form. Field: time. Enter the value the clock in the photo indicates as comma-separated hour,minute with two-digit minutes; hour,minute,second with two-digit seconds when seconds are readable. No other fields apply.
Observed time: 7,05
